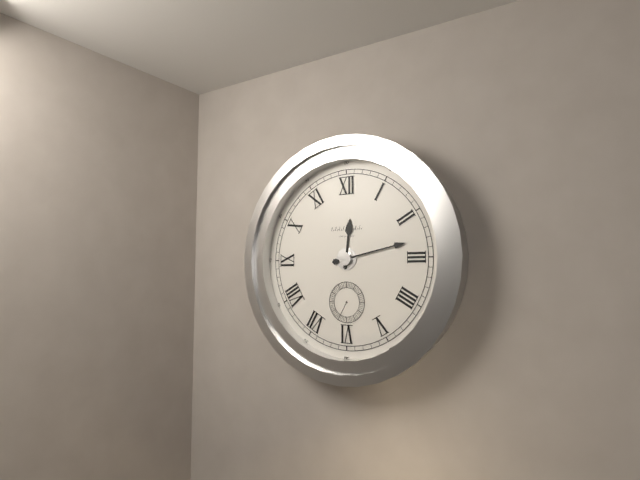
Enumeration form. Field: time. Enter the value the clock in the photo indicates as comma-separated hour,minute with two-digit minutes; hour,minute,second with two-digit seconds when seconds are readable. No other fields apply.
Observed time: 12,13
